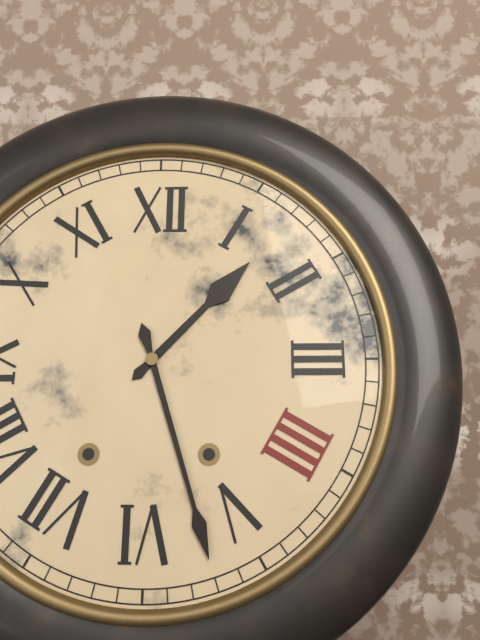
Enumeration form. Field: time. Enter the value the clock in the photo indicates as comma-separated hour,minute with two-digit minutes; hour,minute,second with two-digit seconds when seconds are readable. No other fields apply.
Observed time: 1,27
